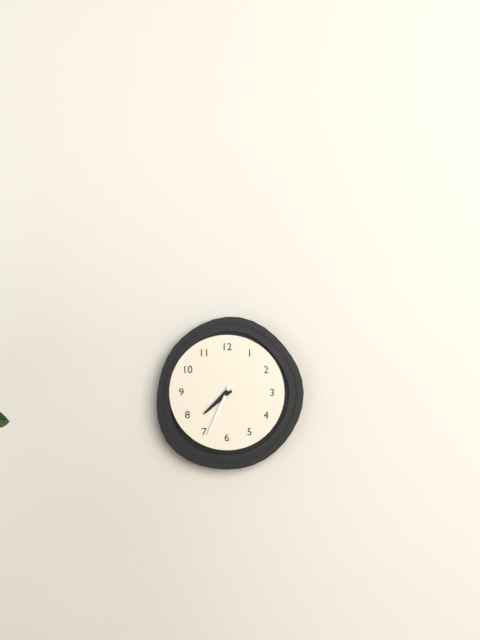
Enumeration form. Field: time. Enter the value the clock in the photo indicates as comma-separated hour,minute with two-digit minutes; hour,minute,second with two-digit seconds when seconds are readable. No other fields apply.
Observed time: 7,34
